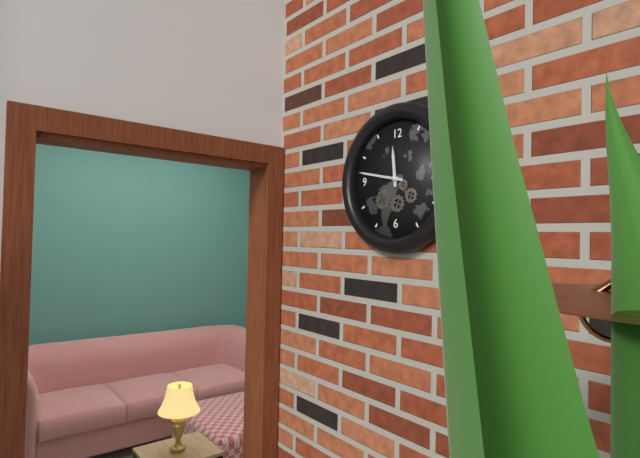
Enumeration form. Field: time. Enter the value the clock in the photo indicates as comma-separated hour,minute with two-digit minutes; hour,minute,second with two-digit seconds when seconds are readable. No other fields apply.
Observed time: 11,47
